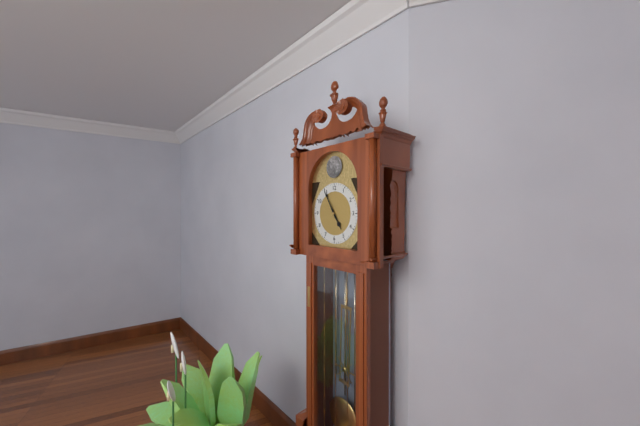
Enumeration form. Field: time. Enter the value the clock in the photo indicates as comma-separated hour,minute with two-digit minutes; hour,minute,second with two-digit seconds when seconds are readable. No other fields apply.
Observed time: 4,55
